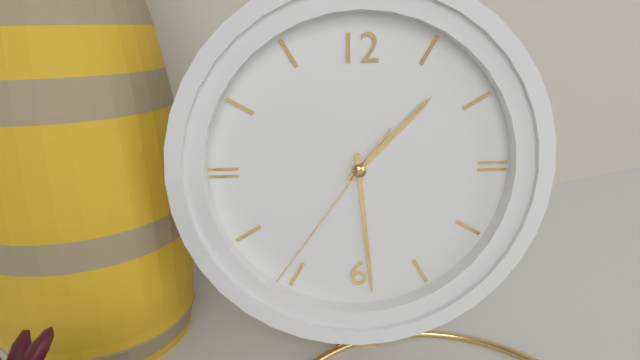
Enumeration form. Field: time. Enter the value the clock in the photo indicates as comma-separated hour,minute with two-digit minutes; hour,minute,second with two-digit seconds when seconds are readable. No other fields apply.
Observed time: 1,29,36
